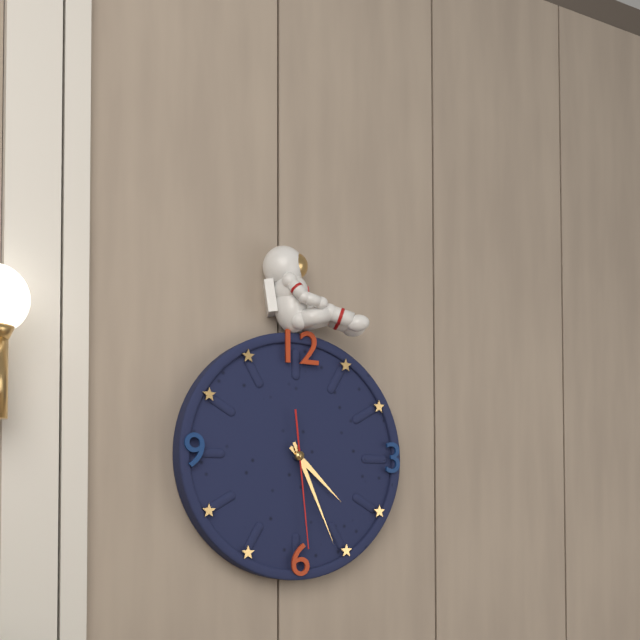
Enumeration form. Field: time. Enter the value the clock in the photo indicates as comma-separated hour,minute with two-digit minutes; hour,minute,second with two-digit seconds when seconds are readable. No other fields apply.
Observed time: 4,26,29
